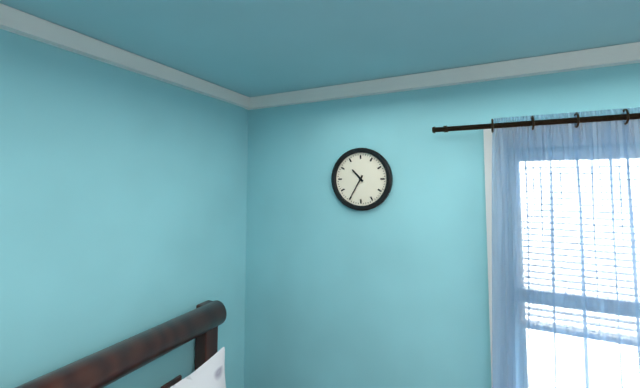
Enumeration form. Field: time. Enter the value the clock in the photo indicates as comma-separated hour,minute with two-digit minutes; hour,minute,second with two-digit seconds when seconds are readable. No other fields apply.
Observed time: 10,35
